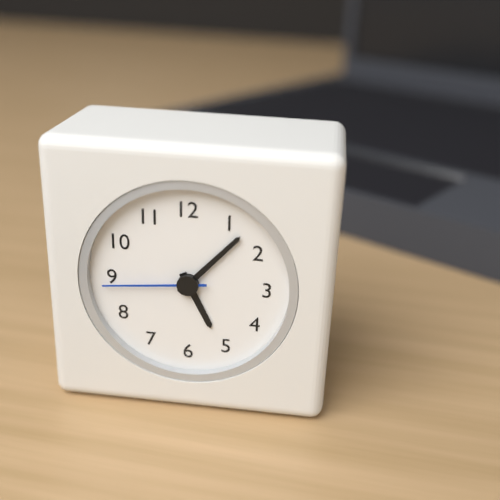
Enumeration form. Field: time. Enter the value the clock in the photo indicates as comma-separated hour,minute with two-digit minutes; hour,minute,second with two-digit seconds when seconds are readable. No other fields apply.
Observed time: 5,07,44
